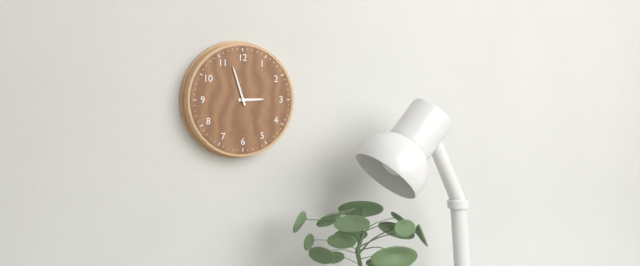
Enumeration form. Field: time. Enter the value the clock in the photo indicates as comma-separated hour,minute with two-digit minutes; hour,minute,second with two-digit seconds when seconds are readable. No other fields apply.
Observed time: 2,57
